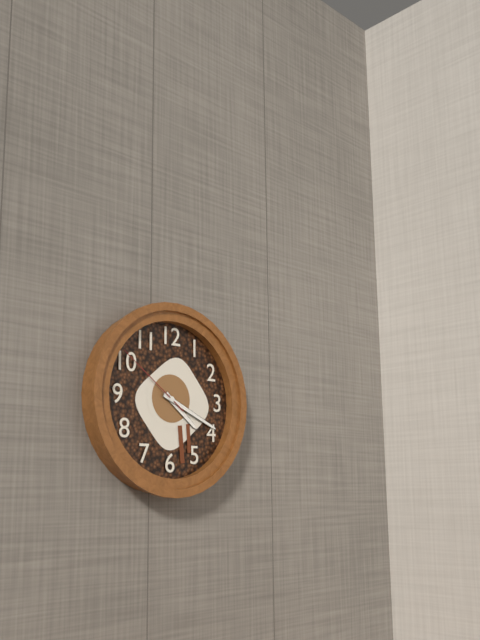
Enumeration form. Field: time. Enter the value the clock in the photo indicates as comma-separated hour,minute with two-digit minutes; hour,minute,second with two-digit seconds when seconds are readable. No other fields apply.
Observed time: 4,19,51
